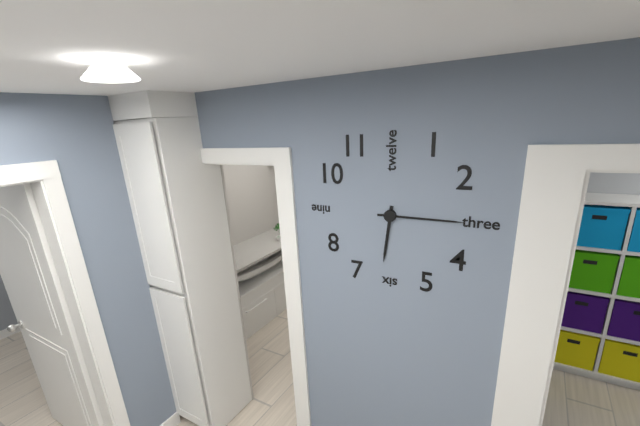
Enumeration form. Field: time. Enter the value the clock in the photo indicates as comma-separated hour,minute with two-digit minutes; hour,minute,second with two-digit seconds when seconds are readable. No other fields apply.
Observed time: 6,15
